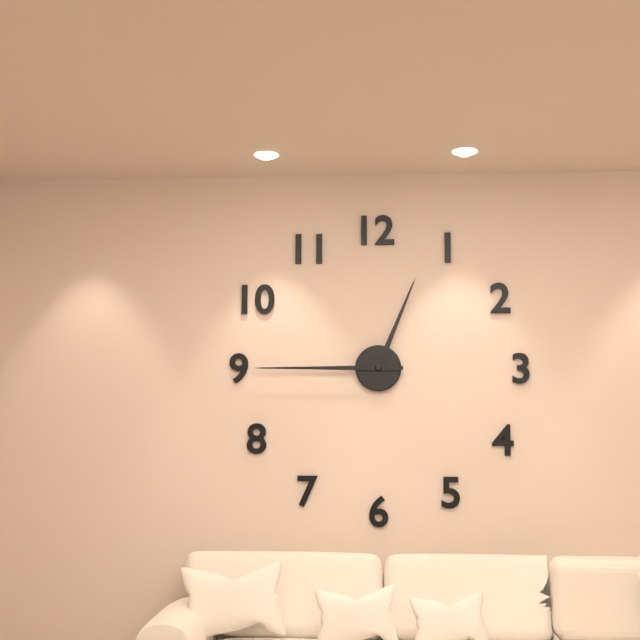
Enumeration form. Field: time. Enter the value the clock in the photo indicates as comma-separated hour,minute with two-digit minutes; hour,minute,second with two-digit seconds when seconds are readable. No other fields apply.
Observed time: 12,45
